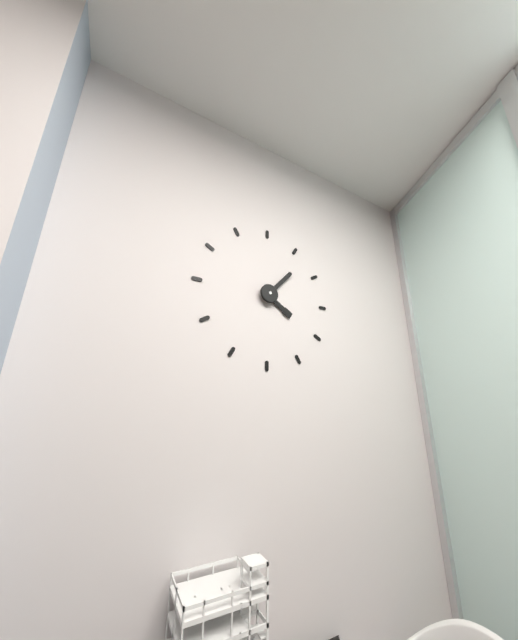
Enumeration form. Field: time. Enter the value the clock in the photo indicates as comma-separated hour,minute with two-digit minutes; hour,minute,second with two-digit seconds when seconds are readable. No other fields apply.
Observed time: 4,07
